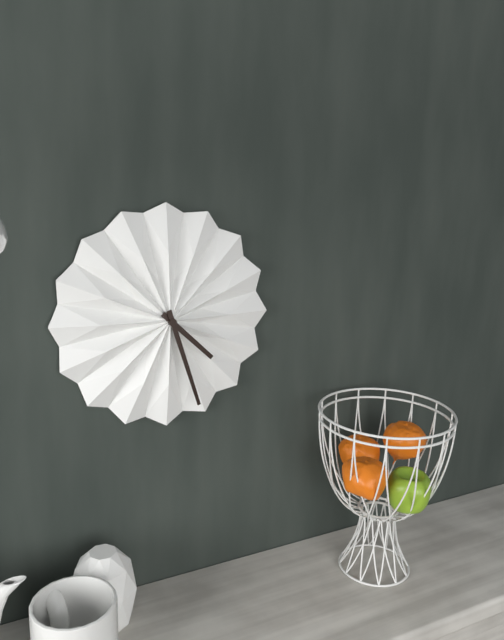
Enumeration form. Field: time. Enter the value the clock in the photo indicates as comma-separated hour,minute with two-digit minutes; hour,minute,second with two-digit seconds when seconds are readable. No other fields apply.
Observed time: 4,27
